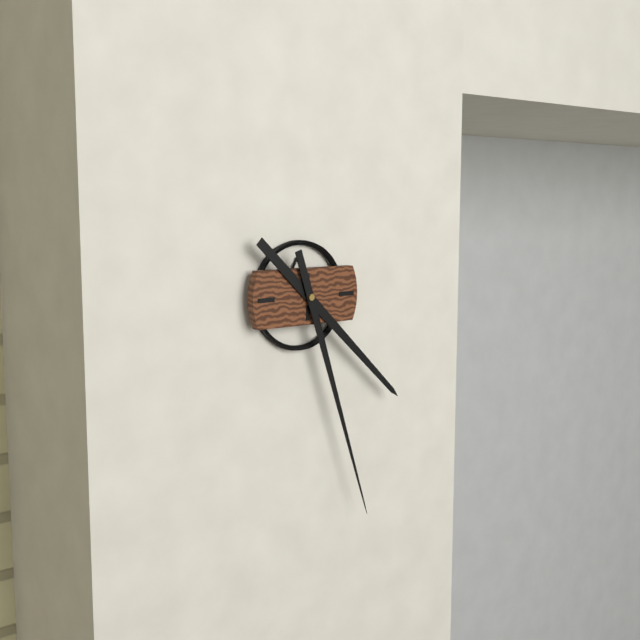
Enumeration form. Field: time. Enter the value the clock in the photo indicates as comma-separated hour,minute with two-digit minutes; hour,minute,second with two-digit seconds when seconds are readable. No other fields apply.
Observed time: 4,27
